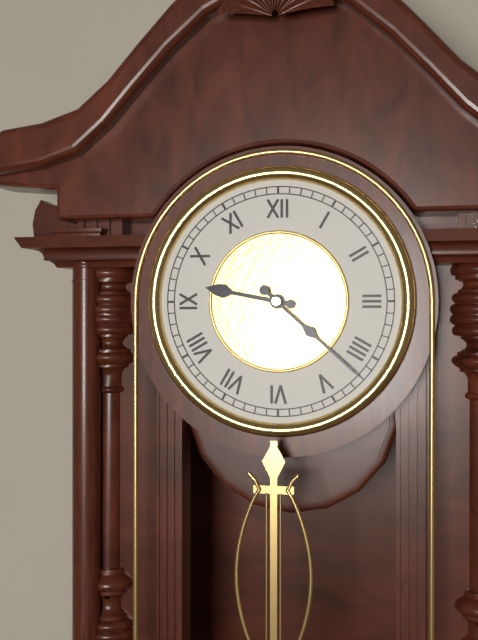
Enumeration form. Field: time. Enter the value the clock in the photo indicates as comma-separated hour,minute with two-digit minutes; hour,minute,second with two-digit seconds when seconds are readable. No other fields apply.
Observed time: 9,22
